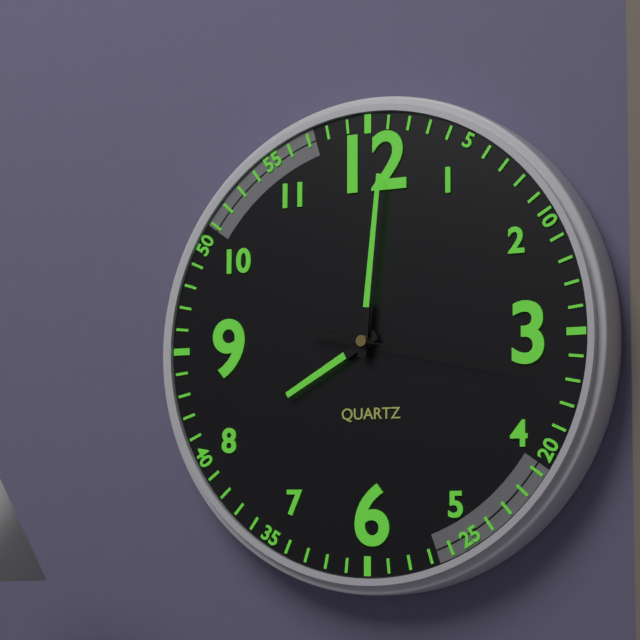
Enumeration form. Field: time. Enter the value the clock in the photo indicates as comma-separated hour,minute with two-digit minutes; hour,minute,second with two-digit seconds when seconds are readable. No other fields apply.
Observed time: 8,01,17
